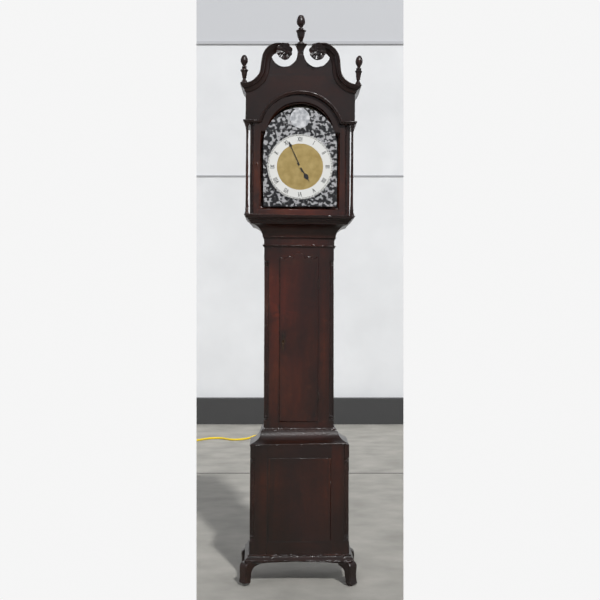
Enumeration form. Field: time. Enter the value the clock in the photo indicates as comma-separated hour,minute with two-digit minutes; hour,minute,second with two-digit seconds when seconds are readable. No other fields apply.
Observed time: 4,56
